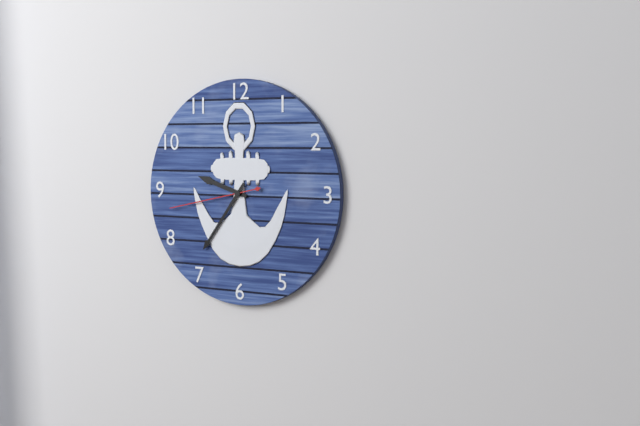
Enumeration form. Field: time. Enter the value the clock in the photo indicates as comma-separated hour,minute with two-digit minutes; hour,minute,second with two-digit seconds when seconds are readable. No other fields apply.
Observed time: 9,36,43
